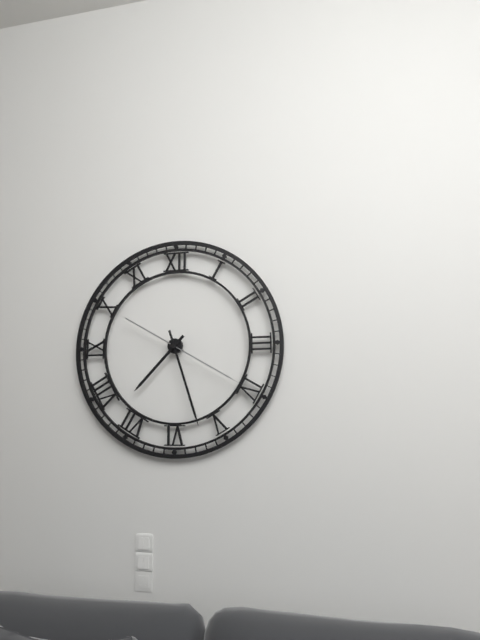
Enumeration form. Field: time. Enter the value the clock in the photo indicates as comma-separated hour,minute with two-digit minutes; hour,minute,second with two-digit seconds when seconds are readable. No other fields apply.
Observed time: 7,27,20
